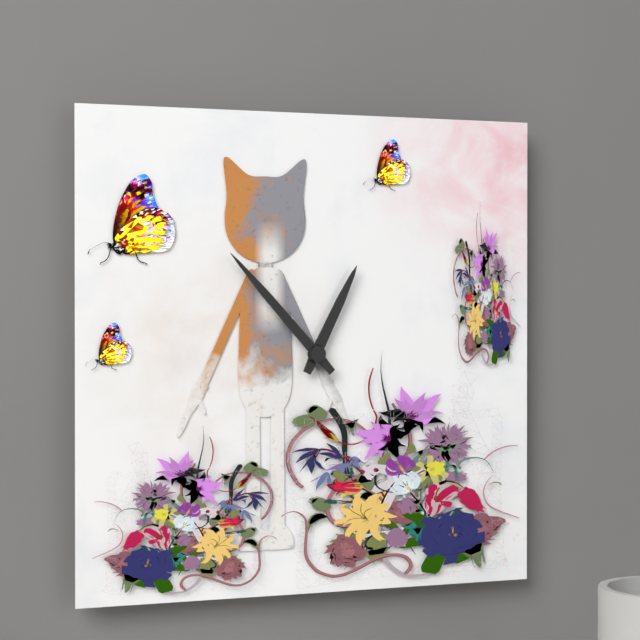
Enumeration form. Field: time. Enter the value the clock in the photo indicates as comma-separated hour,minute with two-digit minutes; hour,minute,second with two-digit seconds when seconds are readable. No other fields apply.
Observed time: 12,53
